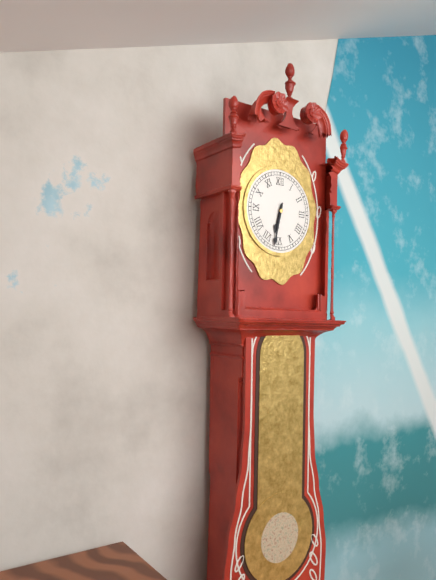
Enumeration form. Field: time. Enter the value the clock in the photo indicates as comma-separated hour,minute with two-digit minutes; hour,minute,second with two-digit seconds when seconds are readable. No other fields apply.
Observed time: 6,32
